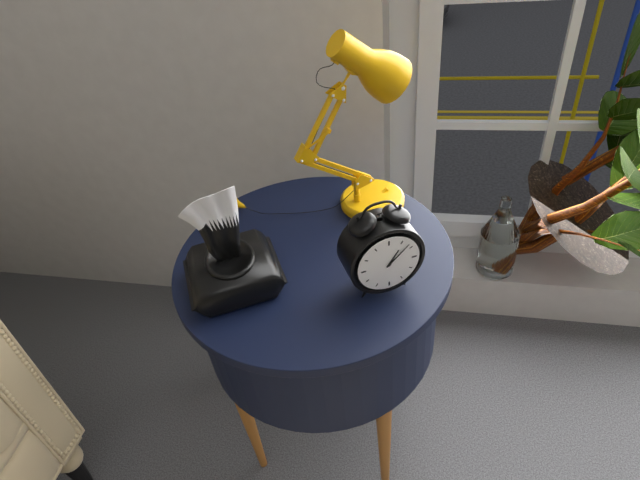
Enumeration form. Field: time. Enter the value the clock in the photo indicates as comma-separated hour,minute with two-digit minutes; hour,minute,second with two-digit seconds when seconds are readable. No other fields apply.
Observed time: 1,08
